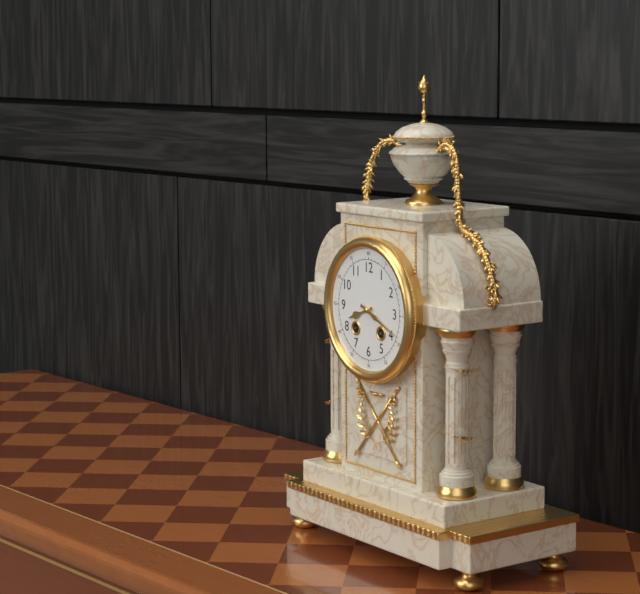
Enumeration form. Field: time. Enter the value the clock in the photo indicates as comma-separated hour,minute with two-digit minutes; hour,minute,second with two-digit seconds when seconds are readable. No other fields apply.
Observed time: 8,19
